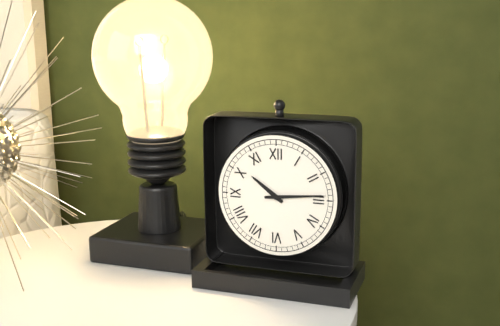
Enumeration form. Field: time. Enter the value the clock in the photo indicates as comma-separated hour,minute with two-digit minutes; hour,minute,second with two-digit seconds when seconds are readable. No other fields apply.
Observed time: 10,14
